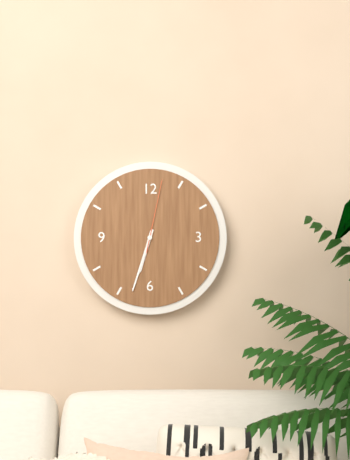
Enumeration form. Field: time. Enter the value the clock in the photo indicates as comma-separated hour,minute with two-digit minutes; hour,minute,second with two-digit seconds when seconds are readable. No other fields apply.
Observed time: 6,33,02
